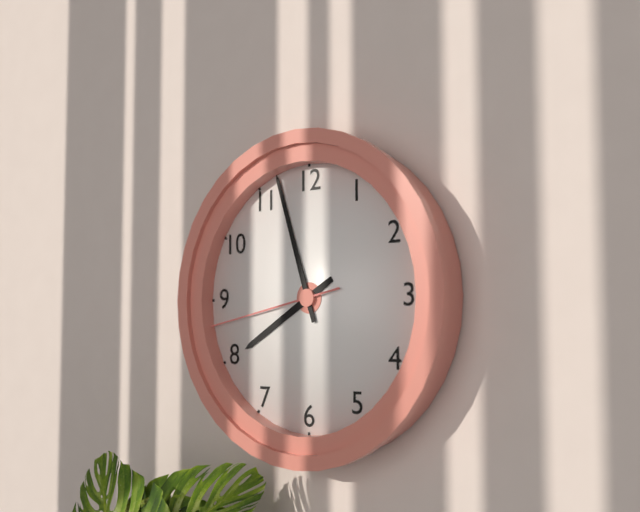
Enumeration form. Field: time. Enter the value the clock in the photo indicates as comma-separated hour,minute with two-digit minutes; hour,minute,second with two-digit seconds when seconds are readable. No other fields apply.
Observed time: 7,57,43
